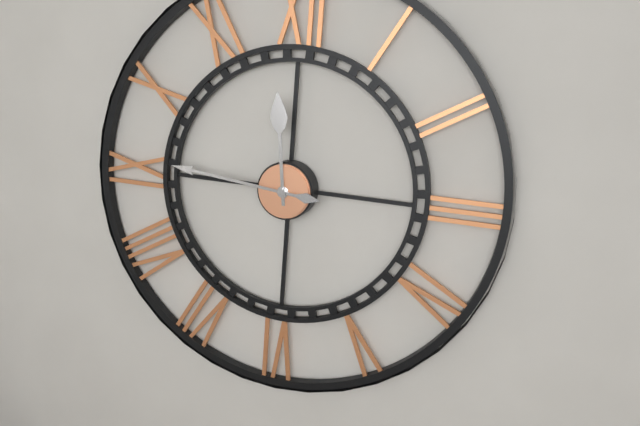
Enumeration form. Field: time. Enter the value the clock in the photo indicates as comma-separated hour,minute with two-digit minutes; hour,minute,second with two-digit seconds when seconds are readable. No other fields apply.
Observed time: 11,46
